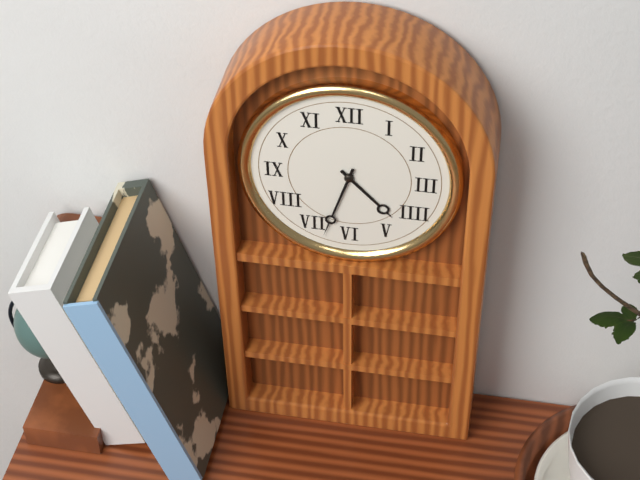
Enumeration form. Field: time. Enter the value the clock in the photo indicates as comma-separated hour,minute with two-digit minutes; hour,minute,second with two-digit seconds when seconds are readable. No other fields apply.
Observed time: 4,33
